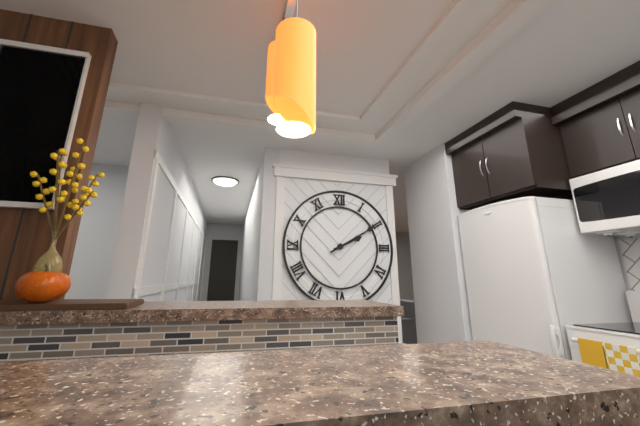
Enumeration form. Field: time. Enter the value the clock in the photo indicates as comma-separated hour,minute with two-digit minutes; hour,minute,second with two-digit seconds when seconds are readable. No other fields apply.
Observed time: 2,10
